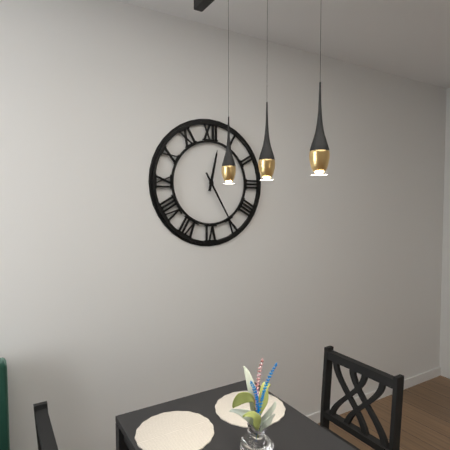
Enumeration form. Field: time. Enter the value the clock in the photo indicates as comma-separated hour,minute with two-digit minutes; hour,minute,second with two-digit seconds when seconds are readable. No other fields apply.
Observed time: 12,25
